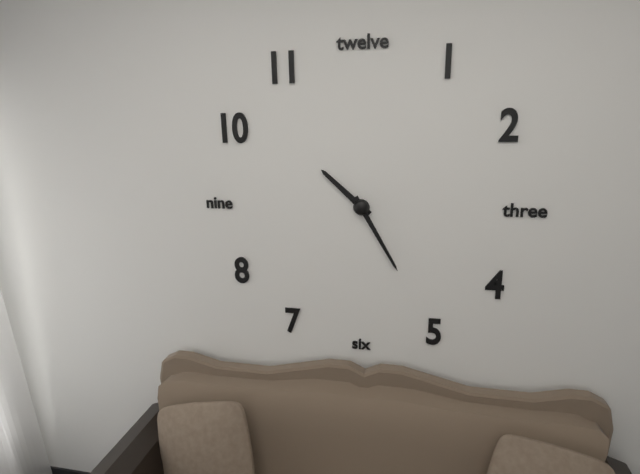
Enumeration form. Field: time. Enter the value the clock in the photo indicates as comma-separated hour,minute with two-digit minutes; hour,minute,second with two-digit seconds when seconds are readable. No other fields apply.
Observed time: 10,25
